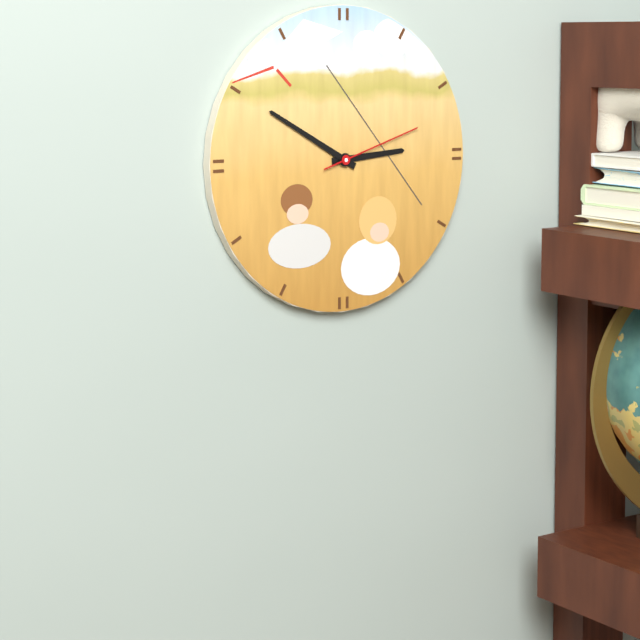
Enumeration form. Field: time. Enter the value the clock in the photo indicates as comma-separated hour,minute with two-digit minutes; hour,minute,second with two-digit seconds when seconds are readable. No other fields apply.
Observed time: 2,50,12
